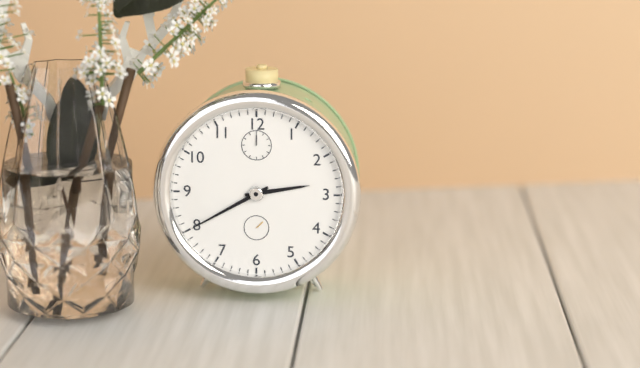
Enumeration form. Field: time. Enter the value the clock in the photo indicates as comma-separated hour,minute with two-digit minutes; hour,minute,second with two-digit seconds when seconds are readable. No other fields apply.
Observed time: 2,40
